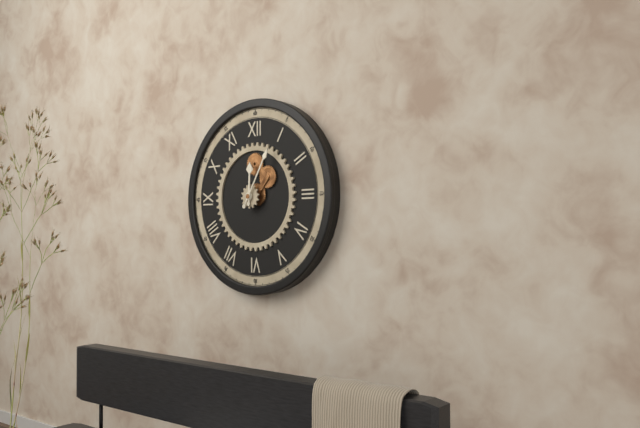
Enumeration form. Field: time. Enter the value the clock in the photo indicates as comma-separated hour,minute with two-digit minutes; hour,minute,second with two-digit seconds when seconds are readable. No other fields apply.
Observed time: 12,05
